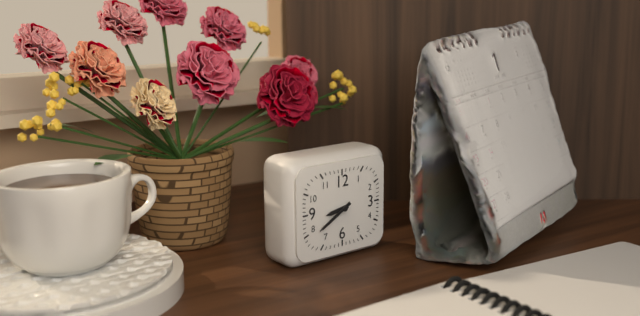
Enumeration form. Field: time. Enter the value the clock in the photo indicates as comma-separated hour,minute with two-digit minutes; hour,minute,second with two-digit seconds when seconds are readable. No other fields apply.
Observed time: 8,40
